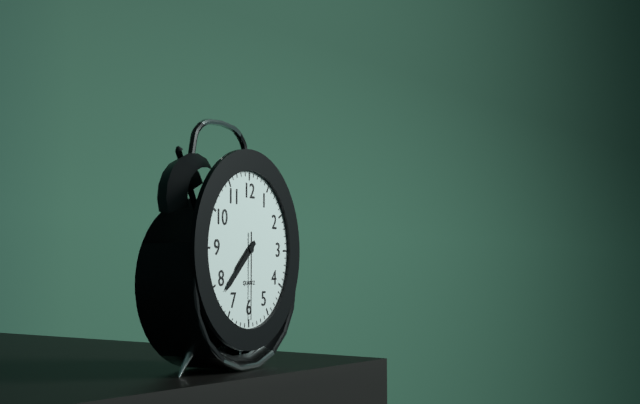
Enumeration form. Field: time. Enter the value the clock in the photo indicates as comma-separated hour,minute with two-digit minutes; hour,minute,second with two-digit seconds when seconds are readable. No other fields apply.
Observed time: 7,38,30
